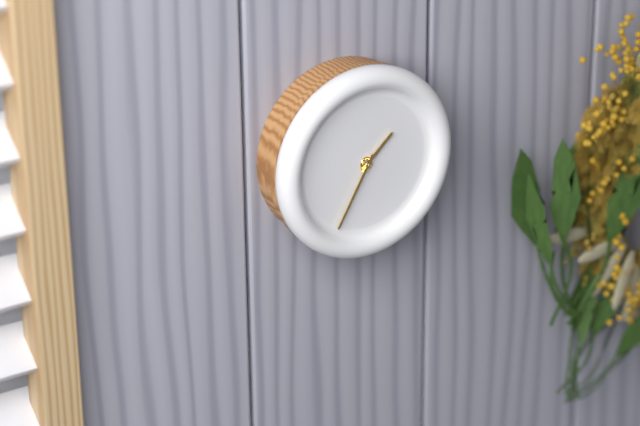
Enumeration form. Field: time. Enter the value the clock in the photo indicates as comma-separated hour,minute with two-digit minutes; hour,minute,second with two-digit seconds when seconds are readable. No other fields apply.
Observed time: 1,35
